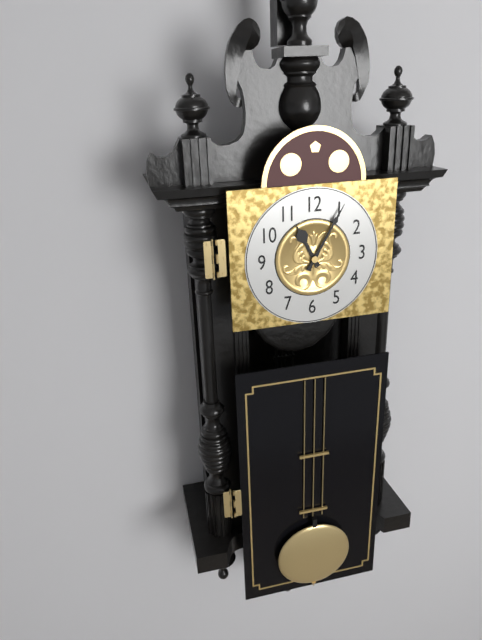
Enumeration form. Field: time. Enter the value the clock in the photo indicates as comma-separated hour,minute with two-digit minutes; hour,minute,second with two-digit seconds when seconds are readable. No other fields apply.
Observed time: 11,05
